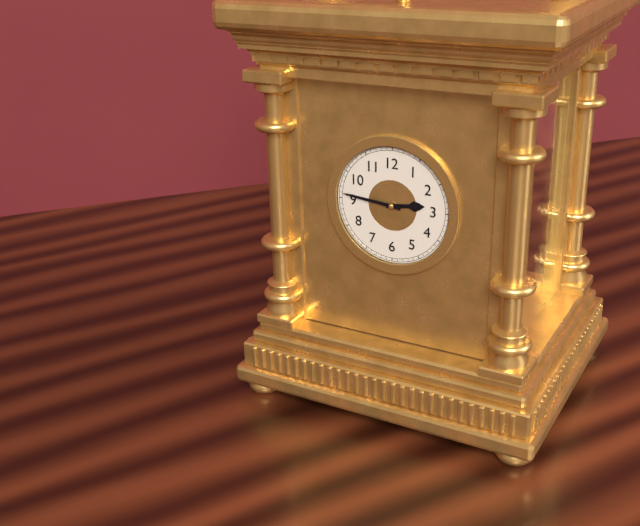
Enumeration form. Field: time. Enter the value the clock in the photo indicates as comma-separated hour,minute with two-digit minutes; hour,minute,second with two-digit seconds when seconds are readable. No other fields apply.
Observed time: 2,46
